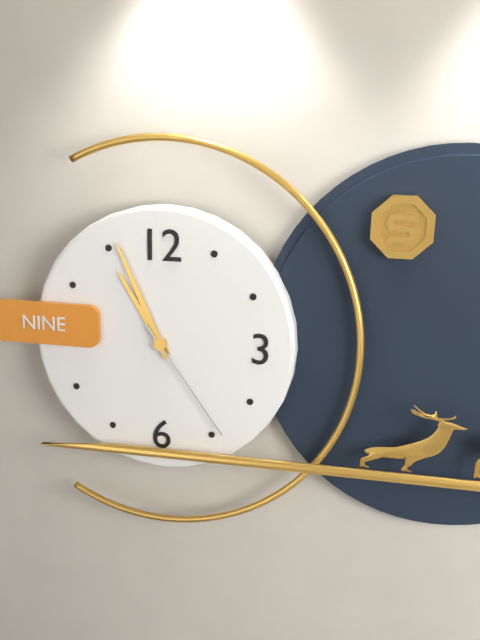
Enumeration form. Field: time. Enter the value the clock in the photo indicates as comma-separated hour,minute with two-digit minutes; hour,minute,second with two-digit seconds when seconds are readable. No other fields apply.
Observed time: 10,56,24
